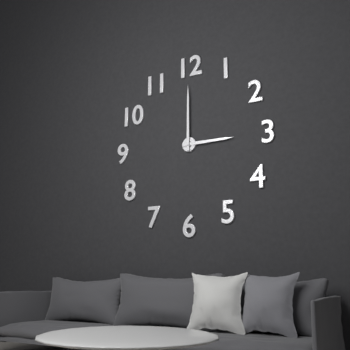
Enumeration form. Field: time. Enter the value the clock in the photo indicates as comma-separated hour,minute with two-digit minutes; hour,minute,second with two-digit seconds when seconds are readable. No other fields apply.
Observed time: 3,00
